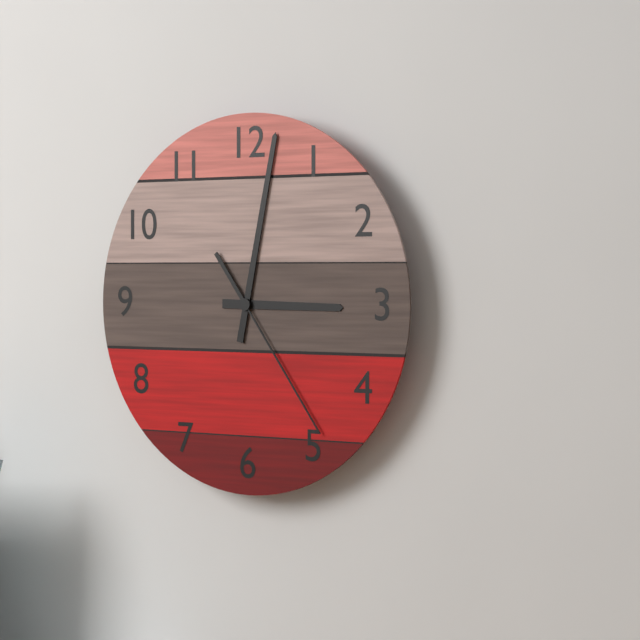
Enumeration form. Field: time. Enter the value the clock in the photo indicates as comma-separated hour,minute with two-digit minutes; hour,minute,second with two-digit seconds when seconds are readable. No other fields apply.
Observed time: 3,02,24
